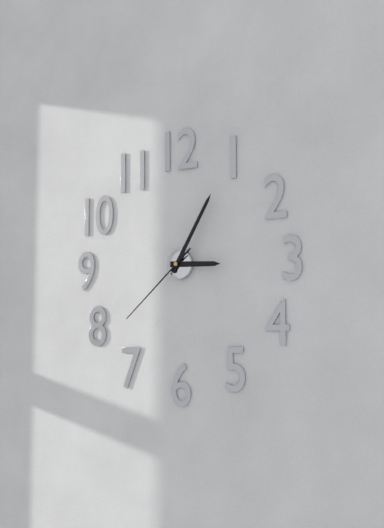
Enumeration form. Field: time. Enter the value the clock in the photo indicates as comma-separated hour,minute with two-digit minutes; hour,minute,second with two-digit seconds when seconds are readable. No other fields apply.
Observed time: 3,05,38
